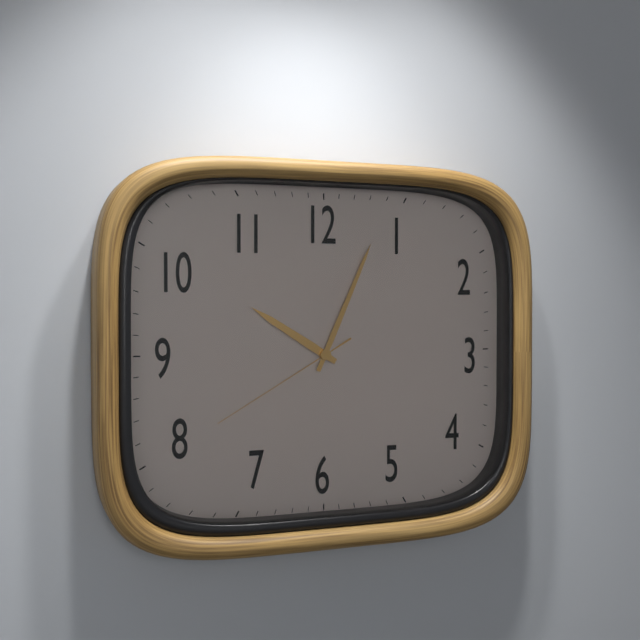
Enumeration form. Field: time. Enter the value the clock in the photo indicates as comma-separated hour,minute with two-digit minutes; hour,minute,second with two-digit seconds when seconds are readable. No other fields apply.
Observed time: 10,04,40
